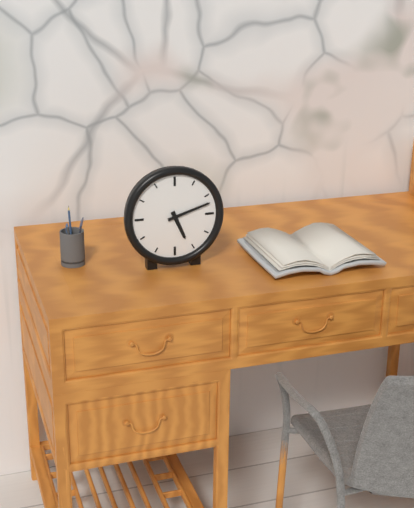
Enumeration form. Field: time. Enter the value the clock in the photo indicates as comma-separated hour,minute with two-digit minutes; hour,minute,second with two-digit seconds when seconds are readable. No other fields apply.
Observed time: 5,12
